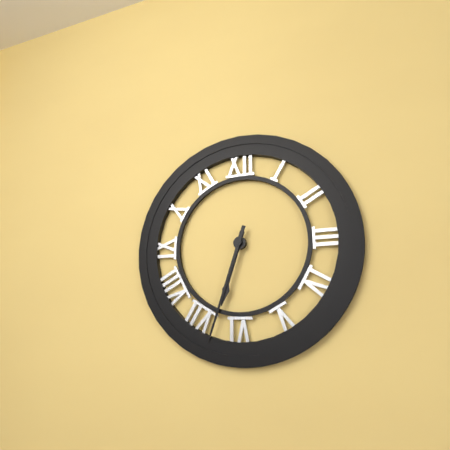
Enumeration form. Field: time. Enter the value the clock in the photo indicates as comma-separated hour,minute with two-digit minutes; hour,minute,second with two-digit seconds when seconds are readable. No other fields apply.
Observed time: 6,33
